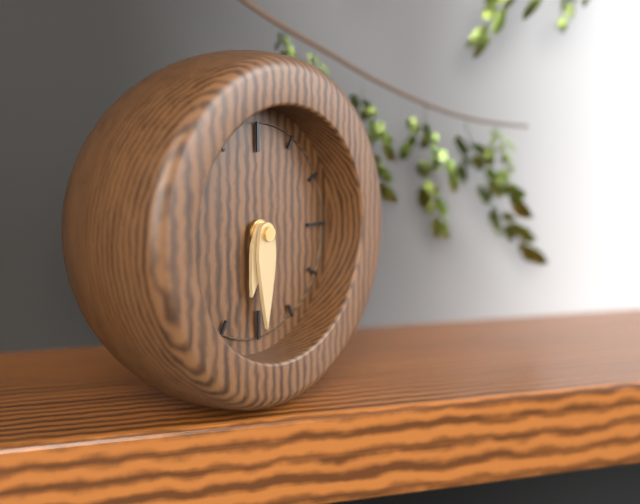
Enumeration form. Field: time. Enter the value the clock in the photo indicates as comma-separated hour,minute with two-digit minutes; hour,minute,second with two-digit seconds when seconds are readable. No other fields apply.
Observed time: 6,30
